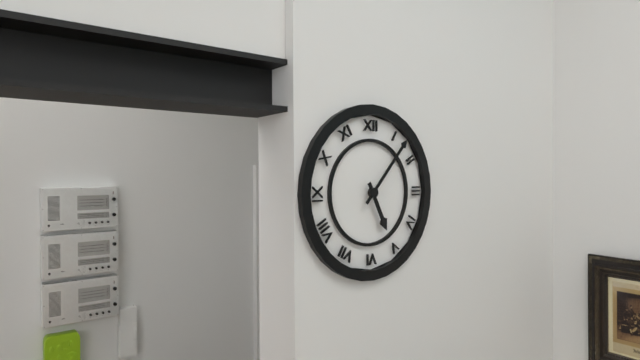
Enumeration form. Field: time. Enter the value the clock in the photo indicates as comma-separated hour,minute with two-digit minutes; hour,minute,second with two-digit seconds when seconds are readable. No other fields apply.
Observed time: 5,07
